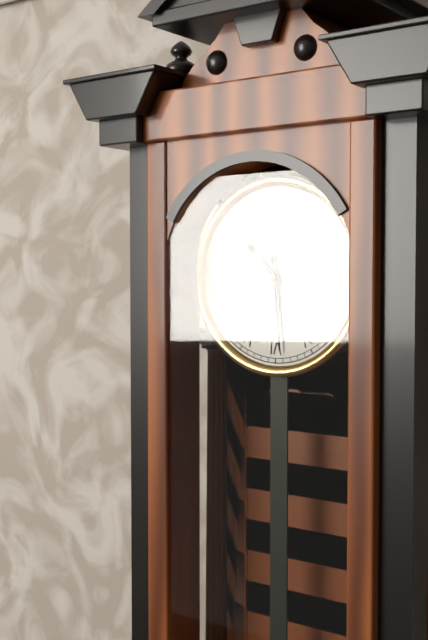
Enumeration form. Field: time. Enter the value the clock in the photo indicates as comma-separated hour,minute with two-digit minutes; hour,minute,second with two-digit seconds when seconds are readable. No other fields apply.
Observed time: 10,29
